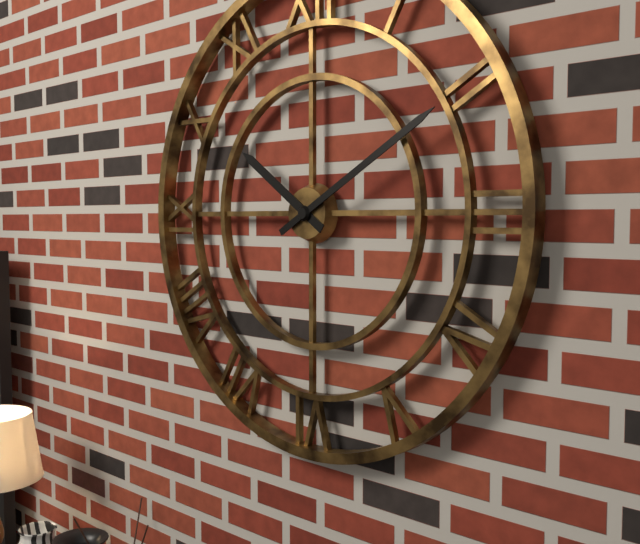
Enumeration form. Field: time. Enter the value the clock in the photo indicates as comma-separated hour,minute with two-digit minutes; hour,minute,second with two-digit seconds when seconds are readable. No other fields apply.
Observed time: 10,10
